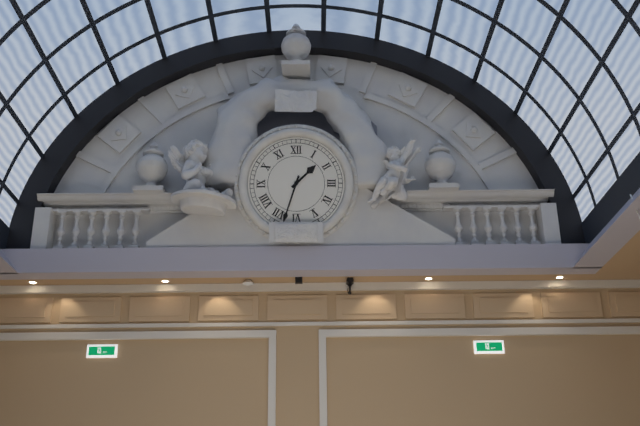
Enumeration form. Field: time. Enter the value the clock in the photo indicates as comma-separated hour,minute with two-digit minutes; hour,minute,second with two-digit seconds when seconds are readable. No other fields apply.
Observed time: 1,33
